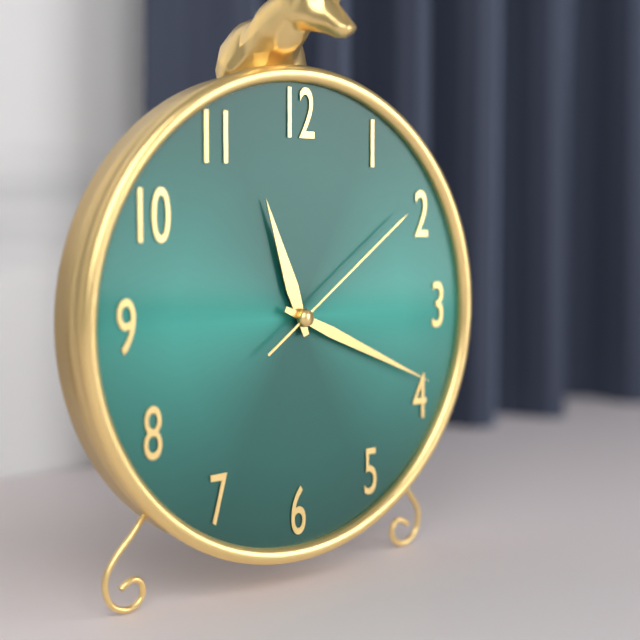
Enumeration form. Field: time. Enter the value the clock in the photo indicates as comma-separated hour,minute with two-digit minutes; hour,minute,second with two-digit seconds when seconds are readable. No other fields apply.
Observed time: 11,19,09
